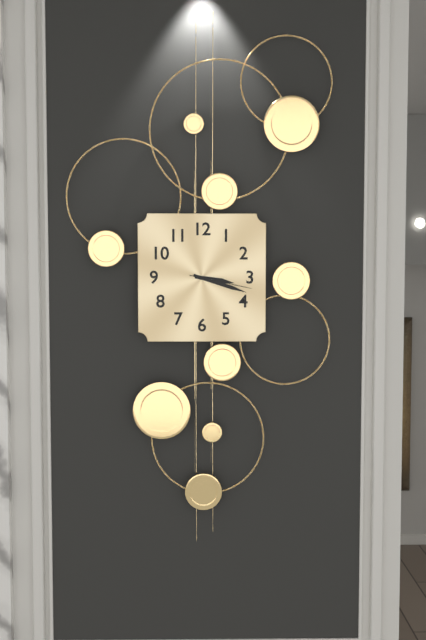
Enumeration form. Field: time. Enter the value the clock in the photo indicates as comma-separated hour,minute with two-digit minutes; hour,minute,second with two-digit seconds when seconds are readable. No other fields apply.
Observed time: 3,18,17
